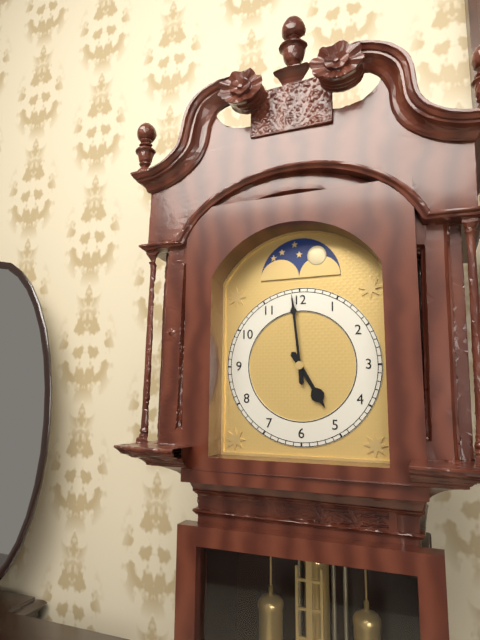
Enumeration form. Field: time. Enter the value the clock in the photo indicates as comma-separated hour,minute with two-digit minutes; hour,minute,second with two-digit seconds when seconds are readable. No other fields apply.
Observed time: 4,59
